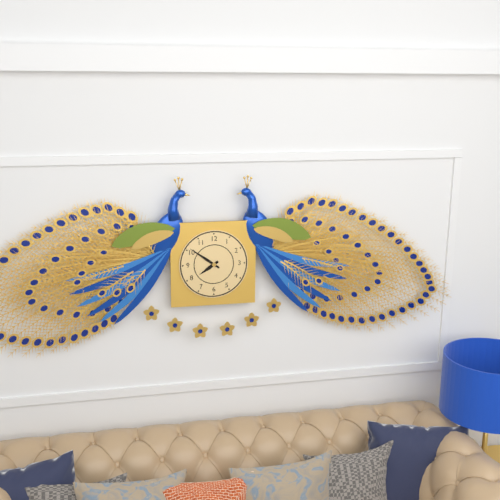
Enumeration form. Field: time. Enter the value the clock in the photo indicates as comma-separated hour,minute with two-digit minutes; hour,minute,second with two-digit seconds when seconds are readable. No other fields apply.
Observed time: 7,51
